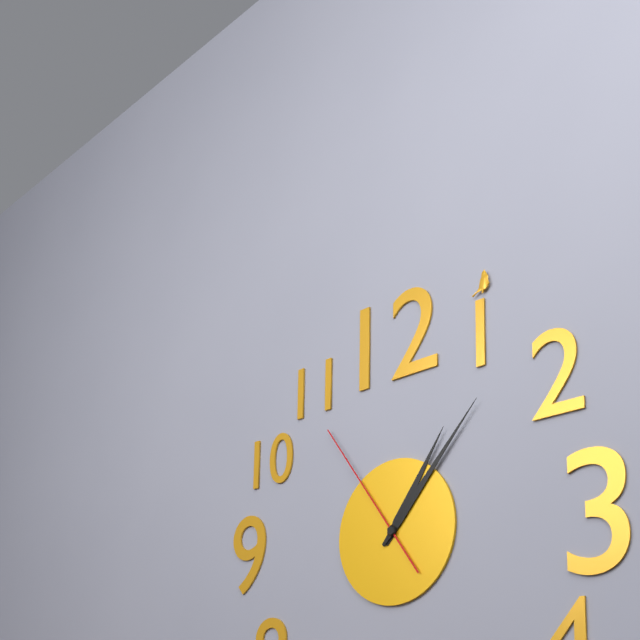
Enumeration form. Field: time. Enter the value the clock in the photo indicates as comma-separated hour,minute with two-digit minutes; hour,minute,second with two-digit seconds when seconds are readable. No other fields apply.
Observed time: 1,07,54
